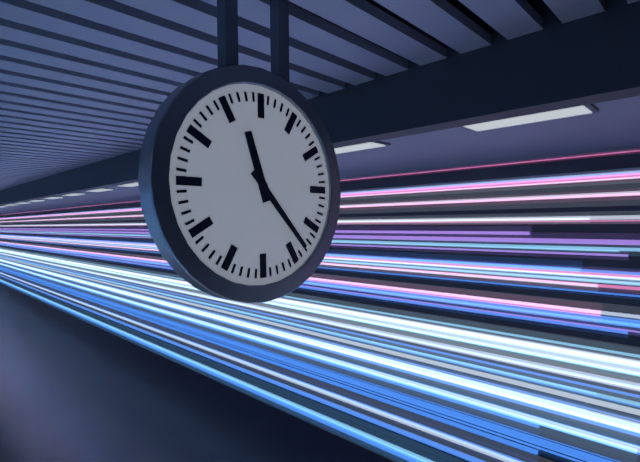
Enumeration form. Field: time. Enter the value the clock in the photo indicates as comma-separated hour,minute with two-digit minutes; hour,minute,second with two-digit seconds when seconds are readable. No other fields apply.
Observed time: 11,23
